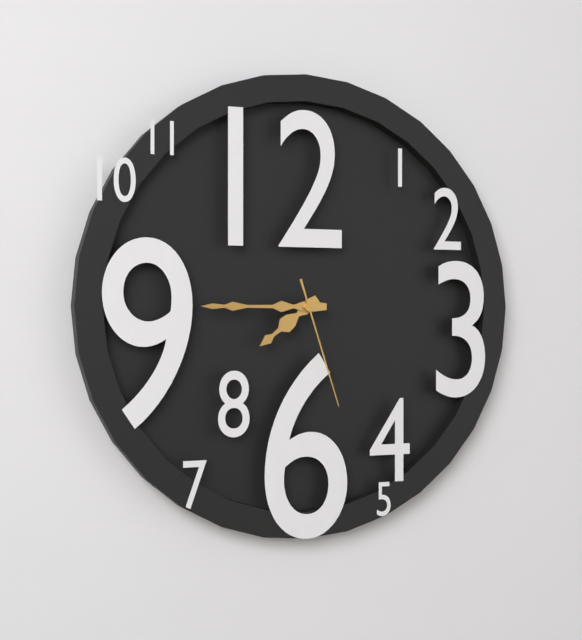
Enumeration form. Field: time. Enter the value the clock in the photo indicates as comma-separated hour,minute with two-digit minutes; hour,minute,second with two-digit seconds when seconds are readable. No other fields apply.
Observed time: 7,45,27
